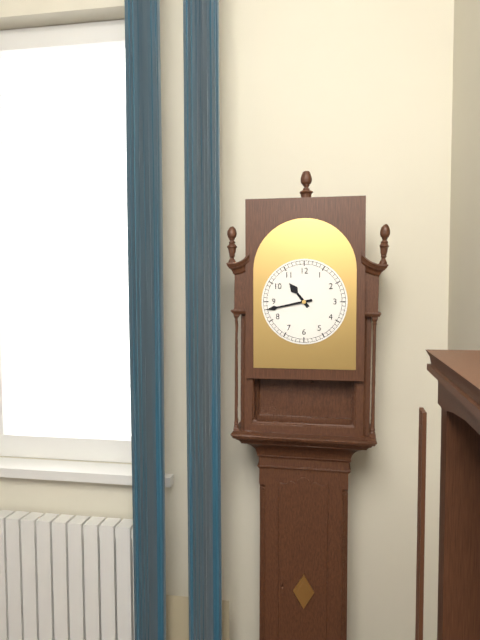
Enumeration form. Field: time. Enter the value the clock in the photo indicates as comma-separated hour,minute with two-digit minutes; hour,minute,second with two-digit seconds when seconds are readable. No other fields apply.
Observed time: 10,43
